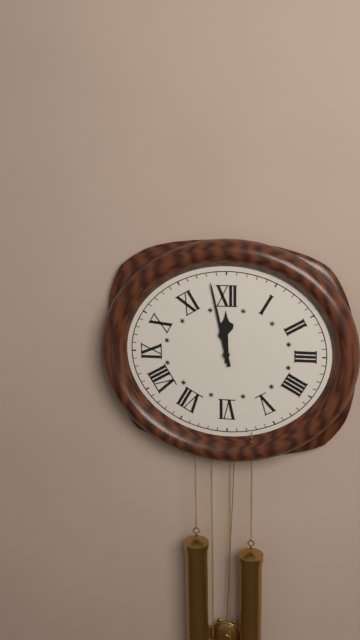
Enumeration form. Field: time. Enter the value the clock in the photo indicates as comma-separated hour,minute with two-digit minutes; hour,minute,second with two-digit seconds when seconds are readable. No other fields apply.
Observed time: 11,58
